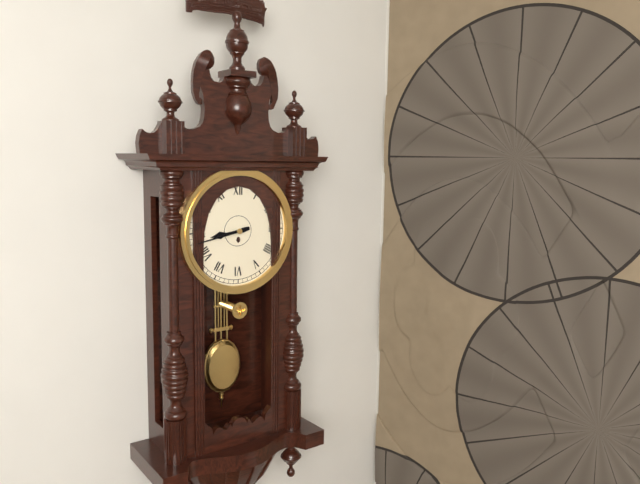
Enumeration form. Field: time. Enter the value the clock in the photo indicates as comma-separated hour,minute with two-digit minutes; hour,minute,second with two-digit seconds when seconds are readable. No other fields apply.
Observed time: 8,43
